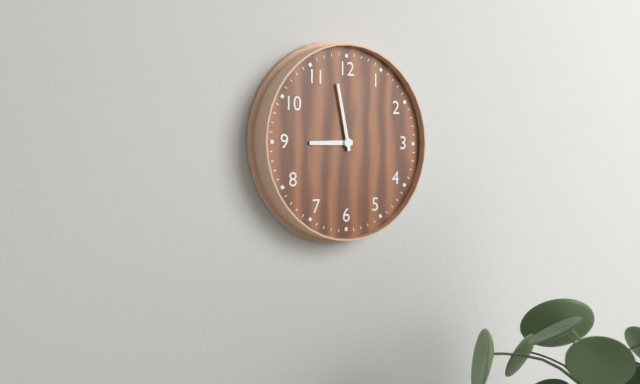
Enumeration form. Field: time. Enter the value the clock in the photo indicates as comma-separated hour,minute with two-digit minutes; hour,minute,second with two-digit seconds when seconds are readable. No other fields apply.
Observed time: 8,58
